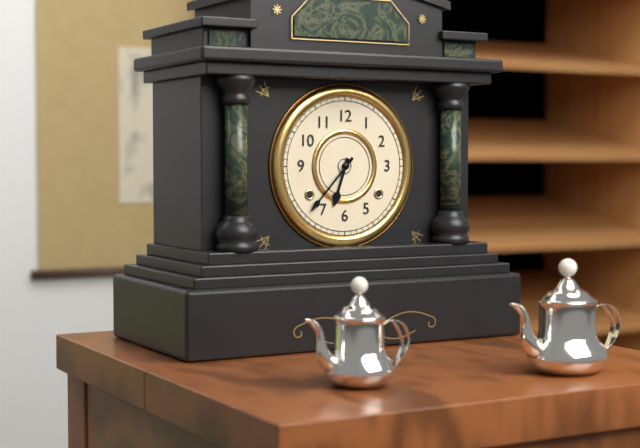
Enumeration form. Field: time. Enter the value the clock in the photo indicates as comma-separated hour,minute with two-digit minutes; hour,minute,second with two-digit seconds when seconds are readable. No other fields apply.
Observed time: 6,37
